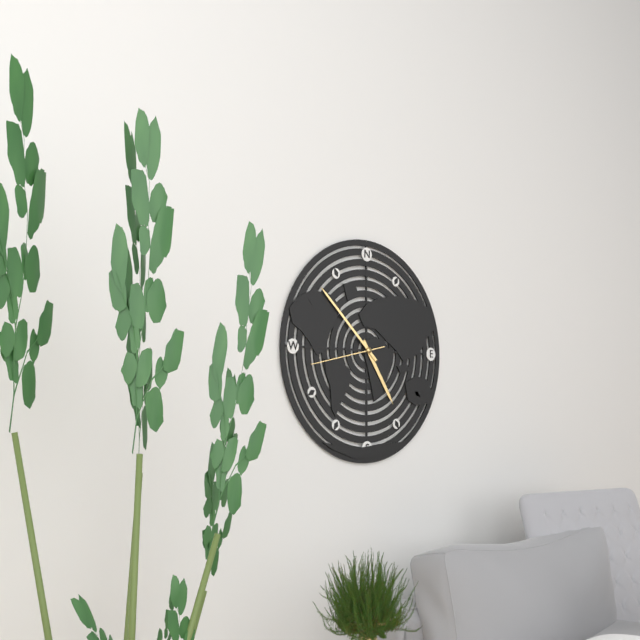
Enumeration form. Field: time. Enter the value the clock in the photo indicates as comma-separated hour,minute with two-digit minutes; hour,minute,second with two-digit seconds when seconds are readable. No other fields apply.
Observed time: 4,52,43
